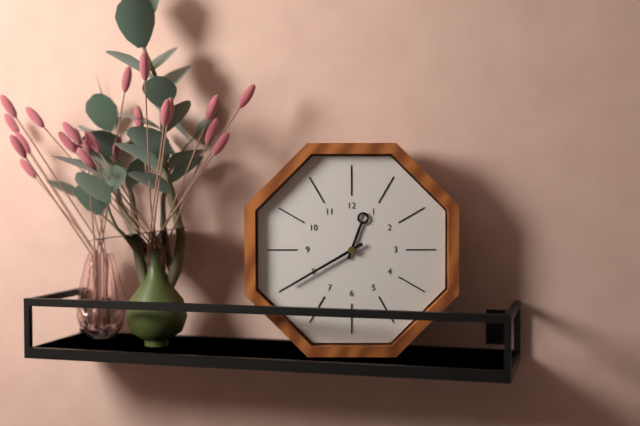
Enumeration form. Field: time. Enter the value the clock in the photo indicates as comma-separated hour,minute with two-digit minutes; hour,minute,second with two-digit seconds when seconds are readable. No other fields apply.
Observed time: 12,40
